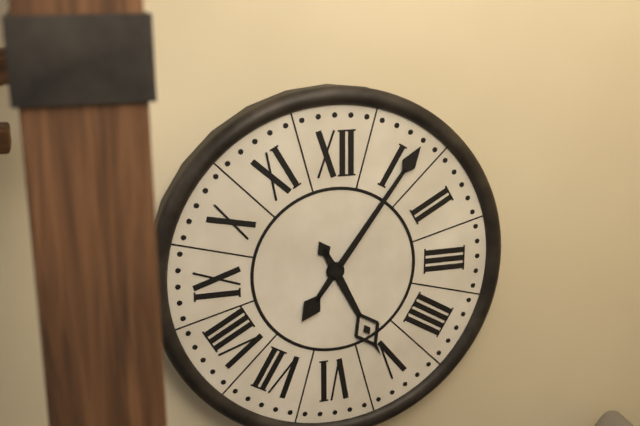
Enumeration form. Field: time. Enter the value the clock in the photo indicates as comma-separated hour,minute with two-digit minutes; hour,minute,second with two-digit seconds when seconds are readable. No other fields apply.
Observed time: 5,06
